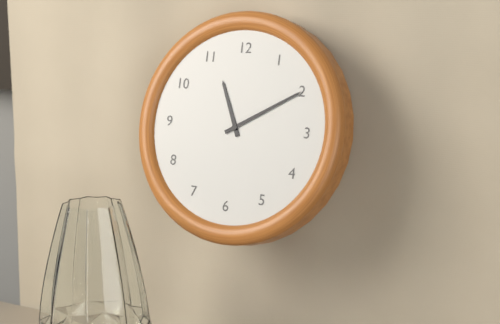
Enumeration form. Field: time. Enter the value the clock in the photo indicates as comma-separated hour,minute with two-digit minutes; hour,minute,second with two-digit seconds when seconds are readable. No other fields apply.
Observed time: 11,10
